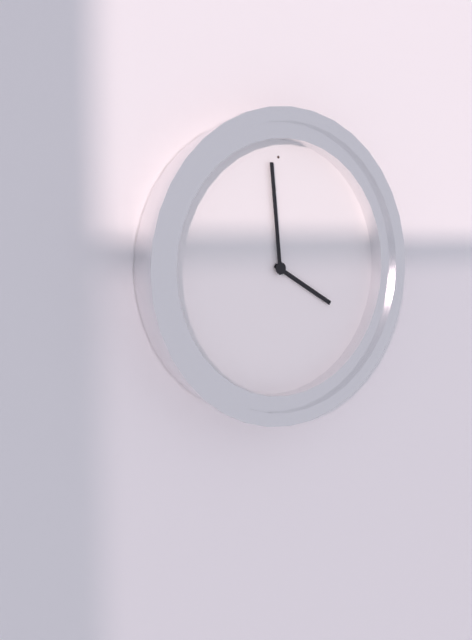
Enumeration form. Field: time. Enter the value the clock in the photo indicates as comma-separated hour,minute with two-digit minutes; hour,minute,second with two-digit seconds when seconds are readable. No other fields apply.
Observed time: 3,59
